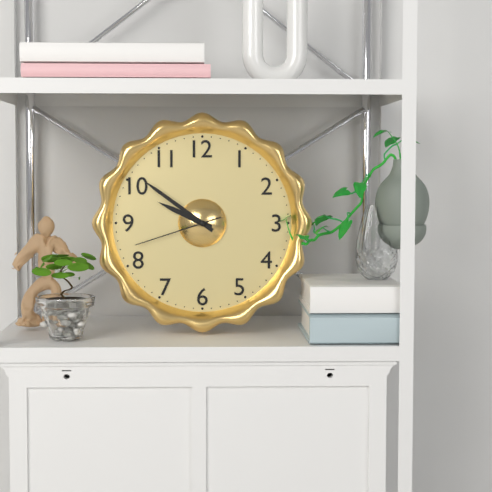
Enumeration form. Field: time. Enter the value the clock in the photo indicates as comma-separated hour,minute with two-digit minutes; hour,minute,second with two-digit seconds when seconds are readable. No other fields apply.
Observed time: 9,51,42
